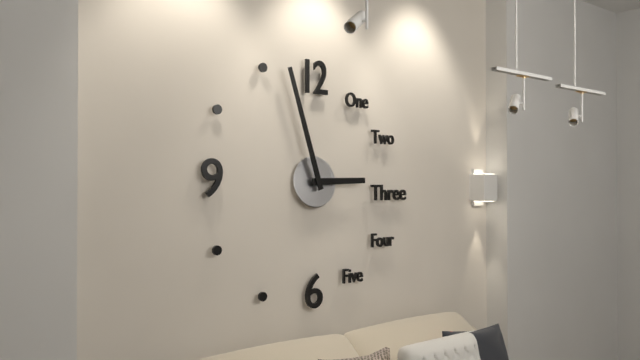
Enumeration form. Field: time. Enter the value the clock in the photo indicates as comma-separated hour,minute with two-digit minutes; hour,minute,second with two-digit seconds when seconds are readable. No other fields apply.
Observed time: 2,57
